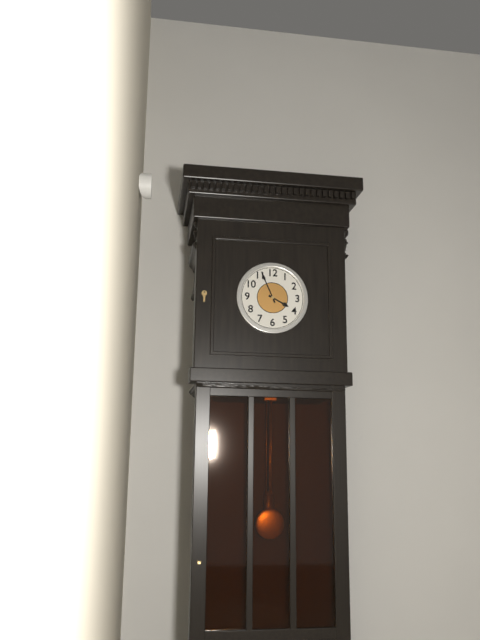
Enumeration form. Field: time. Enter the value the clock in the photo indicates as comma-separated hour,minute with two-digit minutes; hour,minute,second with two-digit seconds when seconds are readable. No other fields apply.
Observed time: 3,56
